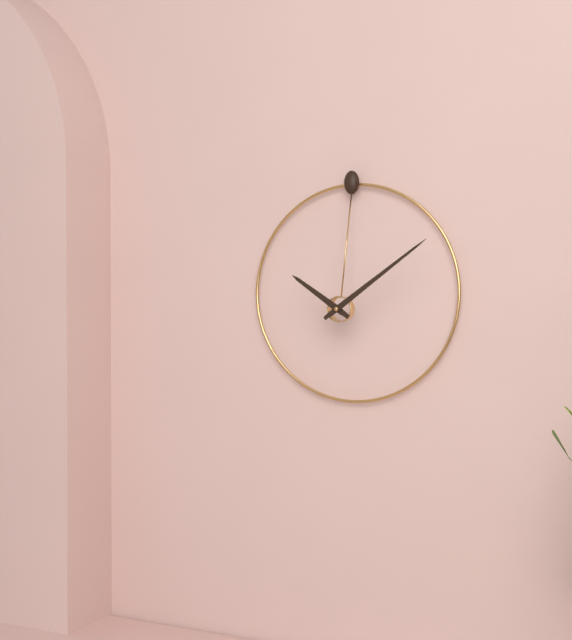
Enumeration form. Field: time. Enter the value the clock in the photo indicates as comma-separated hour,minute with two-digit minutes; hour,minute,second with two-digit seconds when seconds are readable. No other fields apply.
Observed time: 10,09
